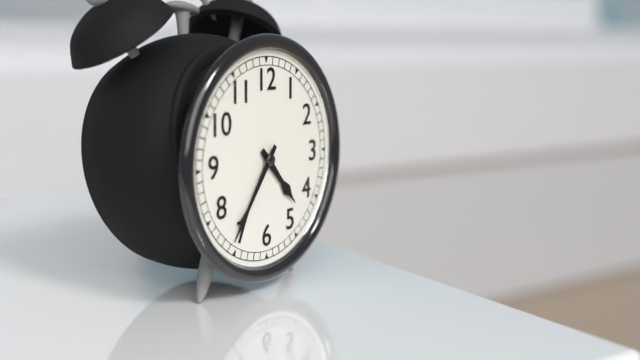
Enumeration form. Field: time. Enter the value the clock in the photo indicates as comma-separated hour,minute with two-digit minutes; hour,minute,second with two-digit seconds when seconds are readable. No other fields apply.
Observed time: 4,36
